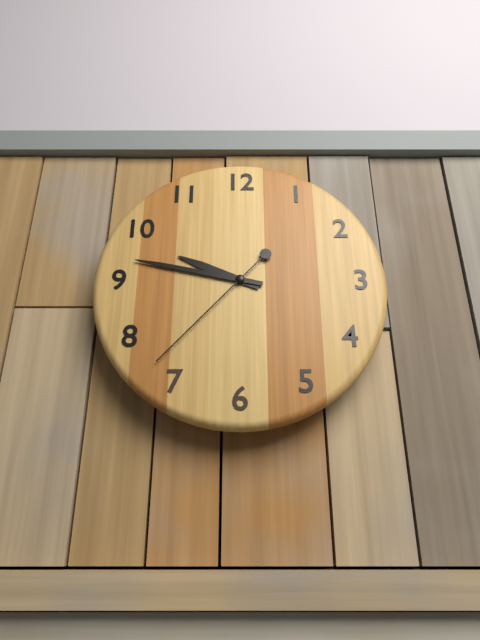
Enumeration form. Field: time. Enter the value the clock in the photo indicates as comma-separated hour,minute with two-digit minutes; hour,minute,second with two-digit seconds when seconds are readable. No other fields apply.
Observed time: 9,47,37
